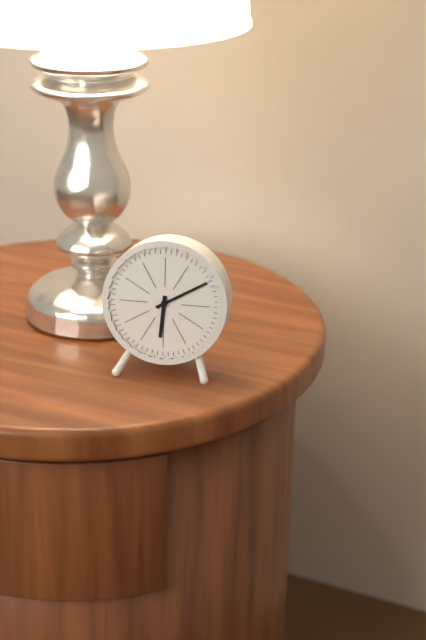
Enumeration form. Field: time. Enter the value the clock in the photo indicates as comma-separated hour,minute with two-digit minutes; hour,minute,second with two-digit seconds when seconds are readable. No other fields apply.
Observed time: 6,10
